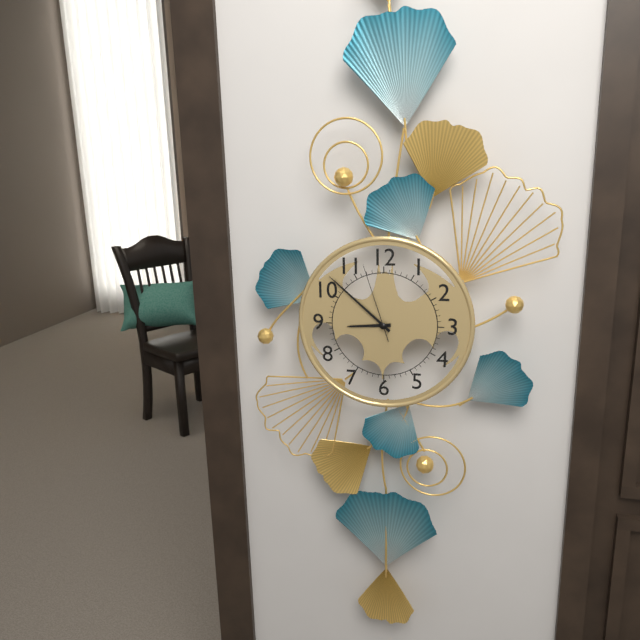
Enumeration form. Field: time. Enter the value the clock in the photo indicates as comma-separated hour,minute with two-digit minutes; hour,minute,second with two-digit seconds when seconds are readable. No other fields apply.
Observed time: 8,52,57
